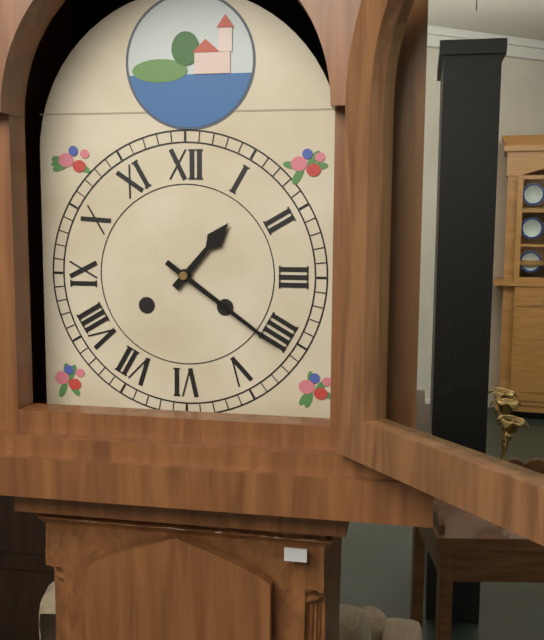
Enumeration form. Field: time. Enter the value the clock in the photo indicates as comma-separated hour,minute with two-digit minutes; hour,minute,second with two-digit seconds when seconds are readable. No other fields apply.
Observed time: 1,21
